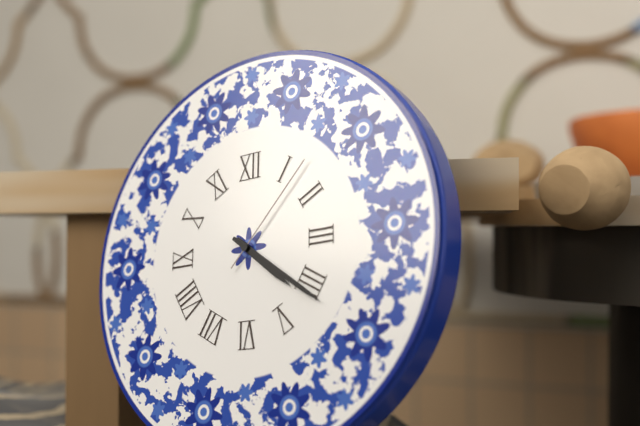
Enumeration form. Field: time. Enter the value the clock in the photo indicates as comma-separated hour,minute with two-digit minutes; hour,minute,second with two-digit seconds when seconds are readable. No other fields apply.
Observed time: 4,21,07
